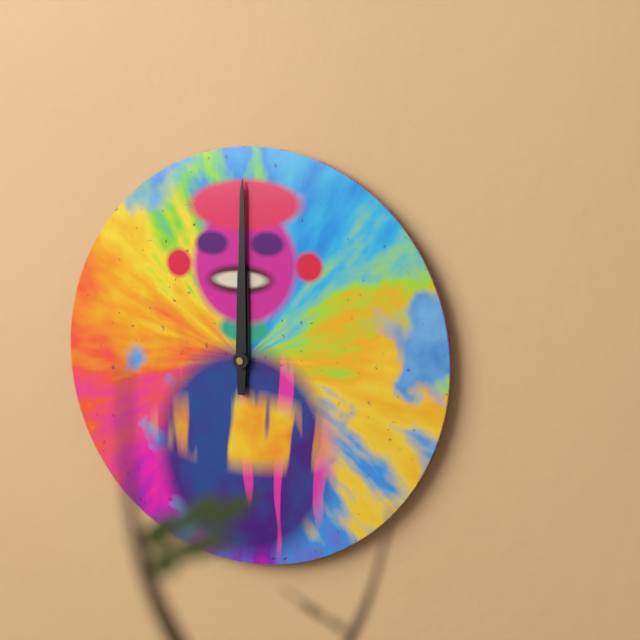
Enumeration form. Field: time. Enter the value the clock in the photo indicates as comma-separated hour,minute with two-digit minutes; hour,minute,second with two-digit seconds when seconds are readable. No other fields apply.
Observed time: 12,00
